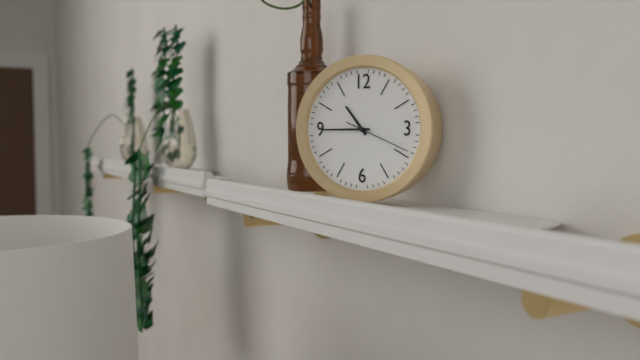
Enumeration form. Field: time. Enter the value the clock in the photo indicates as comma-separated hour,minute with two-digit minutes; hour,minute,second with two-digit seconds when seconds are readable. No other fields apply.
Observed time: 10,45,19
